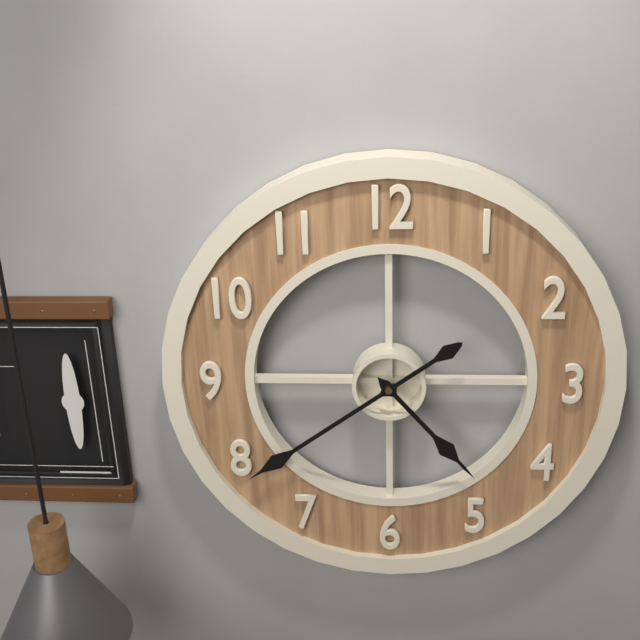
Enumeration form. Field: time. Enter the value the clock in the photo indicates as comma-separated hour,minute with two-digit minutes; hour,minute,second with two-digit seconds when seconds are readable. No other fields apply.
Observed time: 4,39
